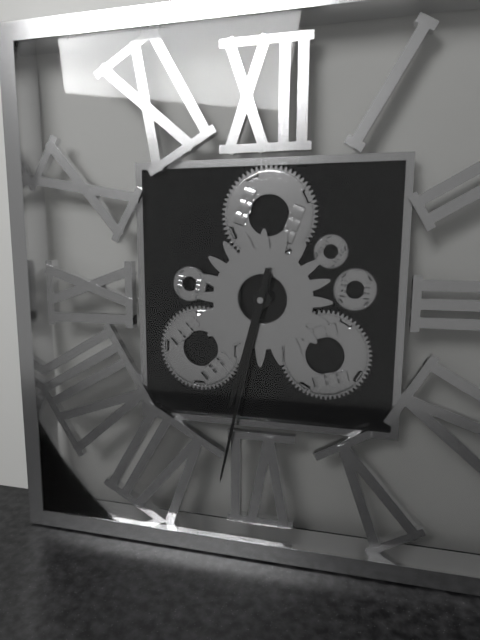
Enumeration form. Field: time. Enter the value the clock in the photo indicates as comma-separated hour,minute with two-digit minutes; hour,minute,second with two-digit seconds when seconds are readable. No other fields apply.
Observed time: 6,32
